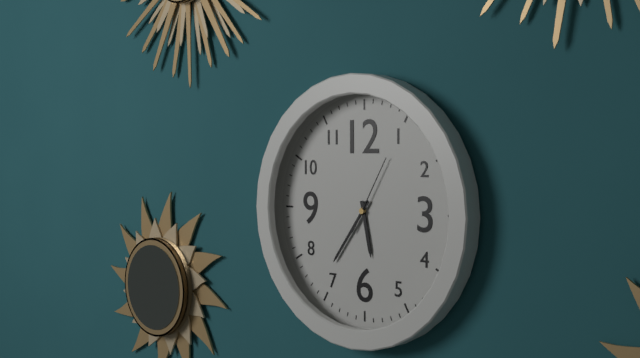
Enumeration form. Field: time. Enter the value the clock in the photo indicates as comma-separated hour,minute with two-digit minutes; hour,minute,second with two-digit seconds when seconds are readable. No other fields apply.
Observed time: 5,36,05
